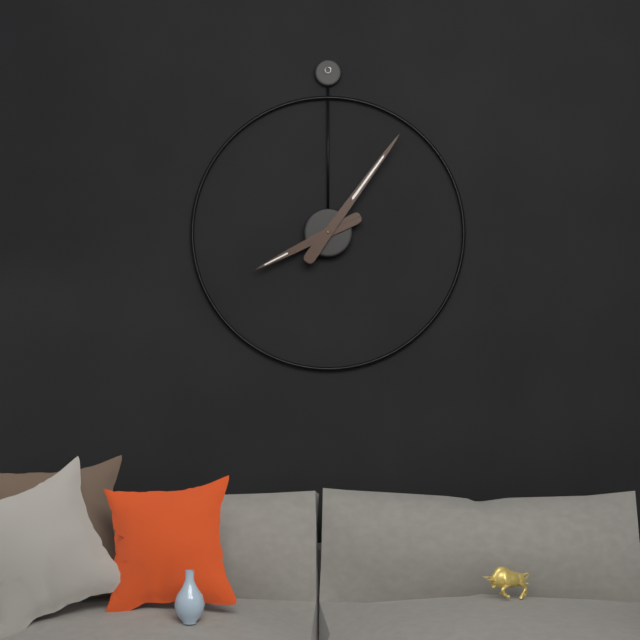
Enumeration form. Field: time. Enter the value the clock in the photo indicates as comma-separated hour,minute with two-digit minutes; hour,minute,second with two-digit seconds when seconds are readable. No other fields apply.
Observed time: 8,06
